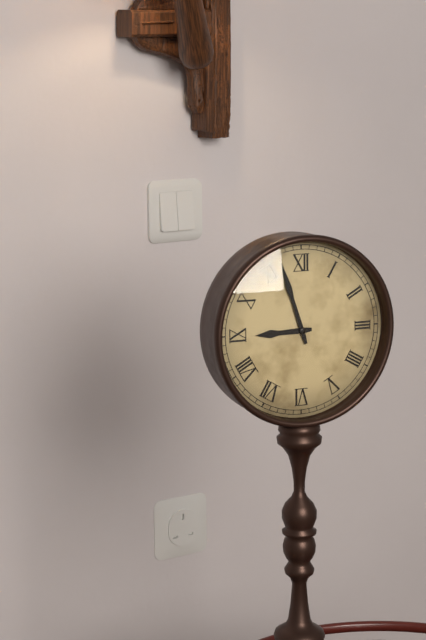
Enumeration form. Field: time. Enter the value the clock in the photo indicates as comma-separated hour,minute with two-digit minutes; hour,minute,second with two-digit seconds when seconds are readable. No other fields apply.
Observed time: 8,57
